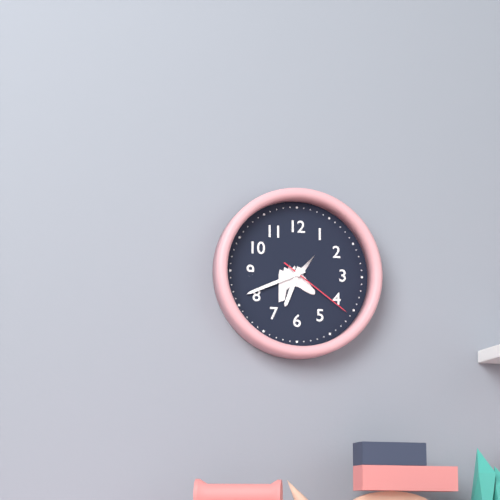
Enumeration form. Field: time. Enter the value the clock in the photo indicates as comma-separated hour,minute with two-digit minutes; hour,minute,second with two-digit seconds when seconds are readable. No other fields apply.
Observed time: 6,41,21
